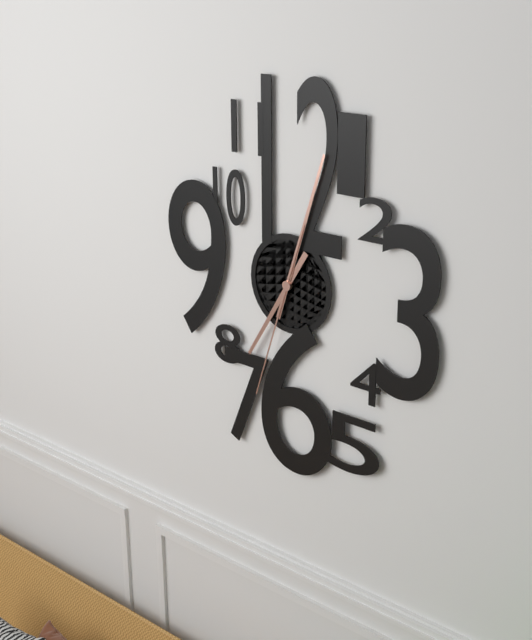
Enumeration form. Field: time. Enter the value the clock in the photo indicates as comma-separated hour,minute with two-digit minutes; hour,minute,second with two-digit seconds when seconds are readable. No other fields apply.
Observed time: 7,03,33
